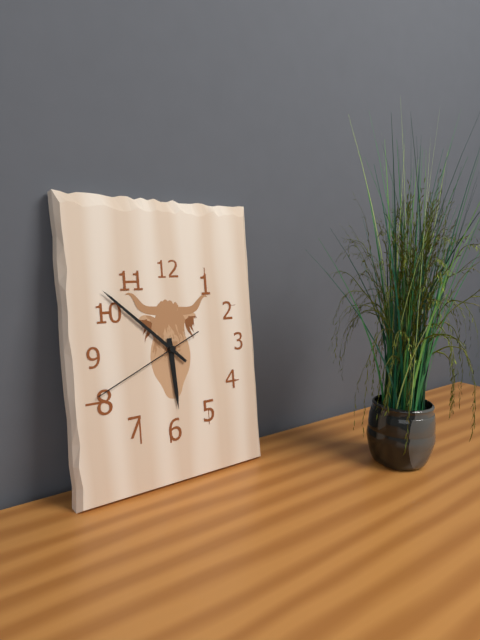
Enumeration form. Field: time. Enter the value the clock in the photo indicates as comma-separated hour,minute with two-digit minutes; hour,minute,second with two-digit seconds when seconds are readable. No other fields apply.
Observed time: 5,52,41
